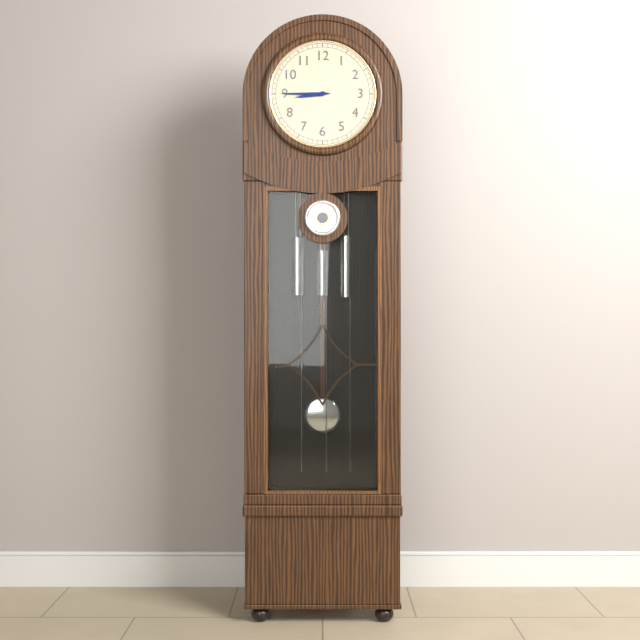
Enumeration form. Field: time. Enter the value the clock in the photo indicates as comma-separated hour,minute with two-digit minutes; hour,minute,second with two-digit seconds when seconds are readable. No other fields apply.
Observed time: 8,45
